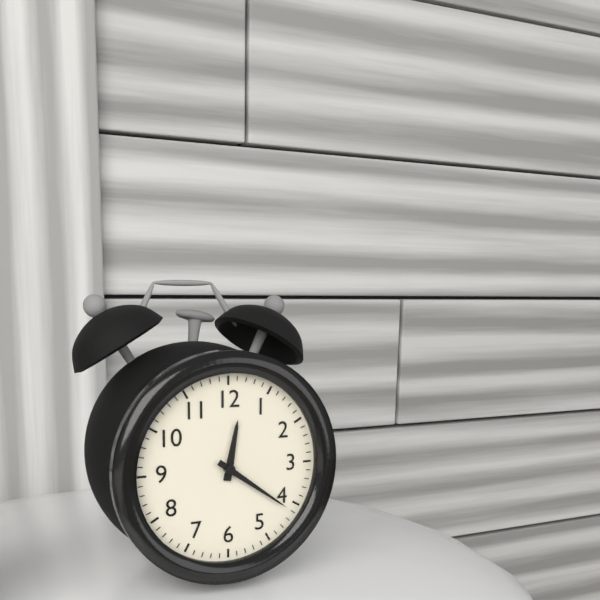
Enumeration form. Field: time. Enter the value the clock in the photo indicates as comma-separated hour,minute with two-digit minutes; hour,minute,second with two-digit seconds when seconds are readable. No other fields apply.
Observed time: 12,21
